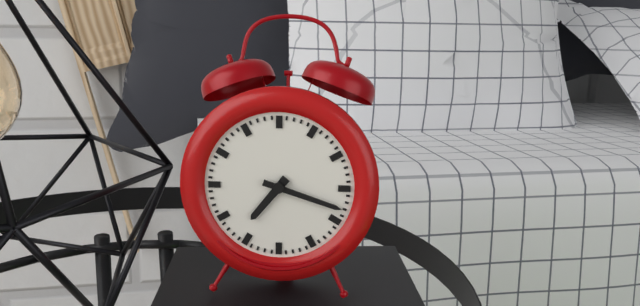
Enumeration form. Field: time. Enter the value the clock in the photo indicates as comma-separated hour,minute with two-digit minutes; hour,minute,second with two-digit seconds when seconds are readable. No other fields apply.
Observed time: 7,18
